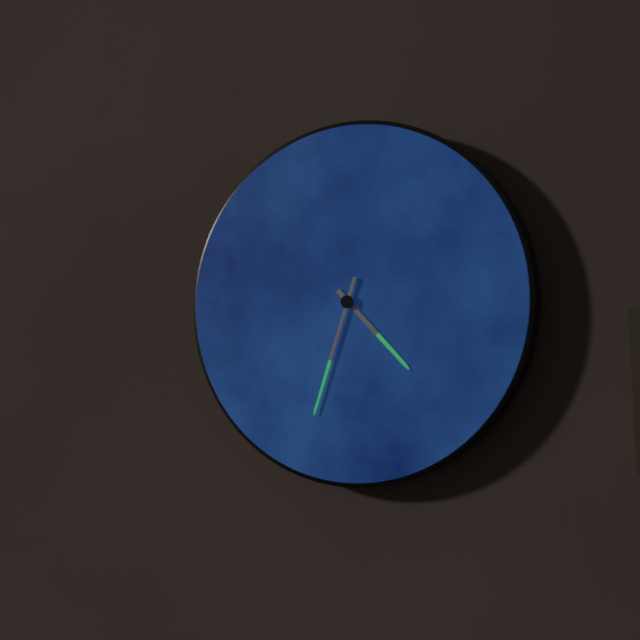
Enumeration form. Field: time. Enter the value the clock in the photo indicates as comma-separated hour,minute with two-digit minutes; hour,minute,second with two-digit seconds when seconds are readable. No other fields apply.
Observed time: 4,33
